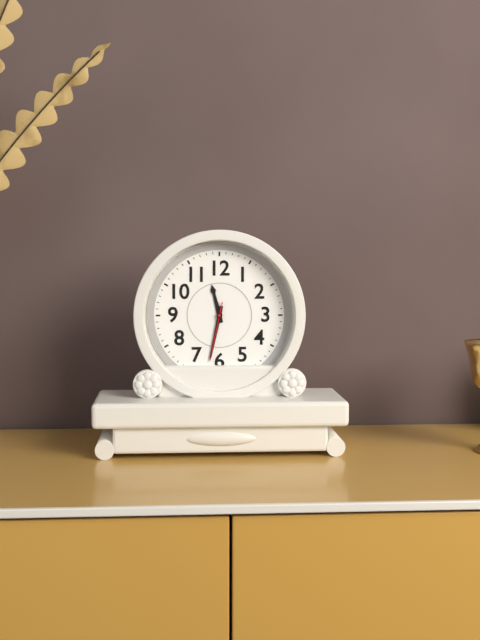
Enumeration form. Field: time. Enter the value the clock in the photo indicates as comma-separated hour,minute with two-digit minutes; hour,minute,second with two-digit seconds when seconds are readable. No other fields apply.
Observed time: 11,32,32
